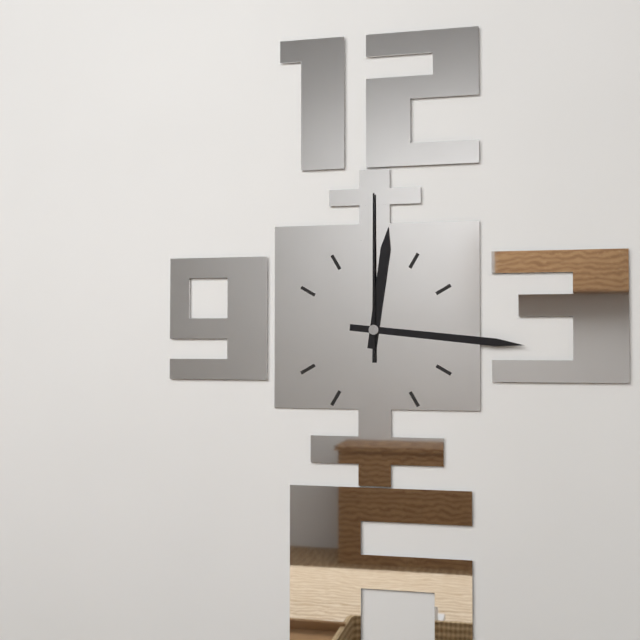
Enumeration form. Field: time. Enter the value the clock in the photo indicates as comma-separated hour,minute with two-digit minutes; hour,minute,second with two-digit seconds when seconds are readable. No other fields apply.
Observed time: 12,16,00
